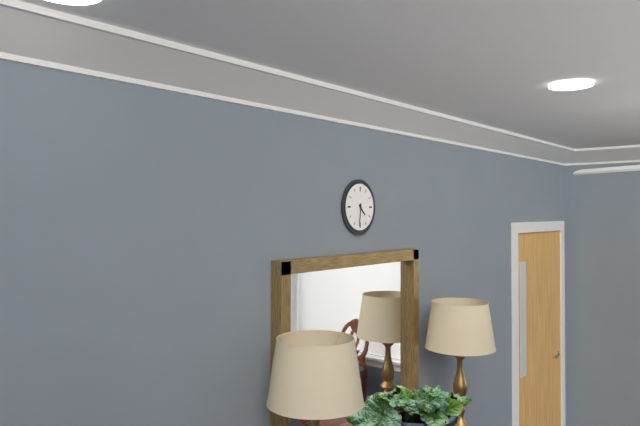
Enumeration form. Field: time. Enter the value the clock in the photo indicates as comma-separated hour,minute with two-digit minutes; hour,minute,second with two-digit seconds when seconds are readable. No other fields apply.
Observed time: 4,31
